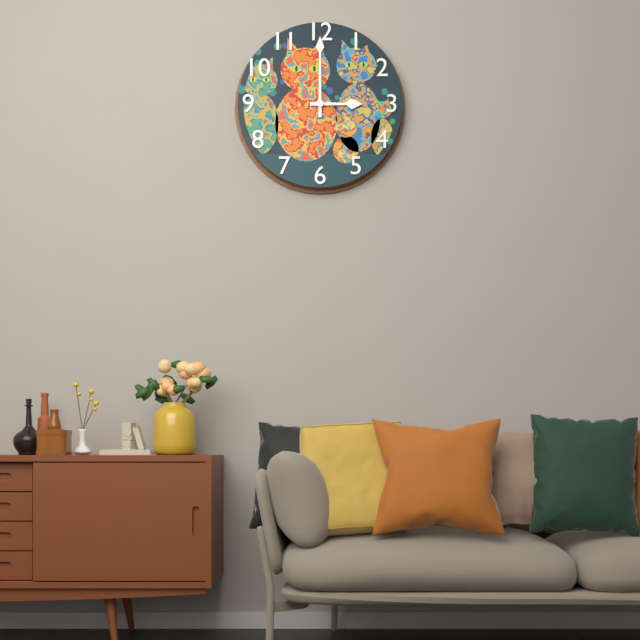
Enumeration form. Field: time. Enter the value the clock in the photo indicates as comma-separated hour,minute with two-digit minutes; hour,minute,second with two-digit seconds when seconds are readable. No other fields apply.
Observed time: 3,00
